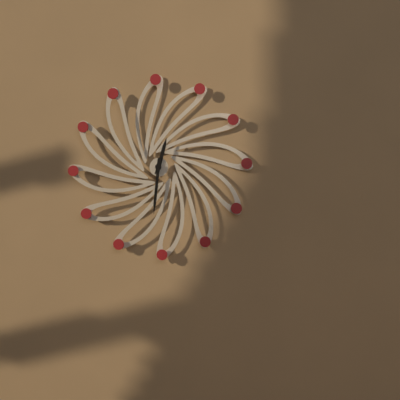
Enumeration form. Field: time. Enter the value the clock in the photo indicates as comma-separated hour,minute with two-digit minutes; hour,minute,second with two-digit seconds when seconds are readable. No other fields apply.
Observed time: 12,31
